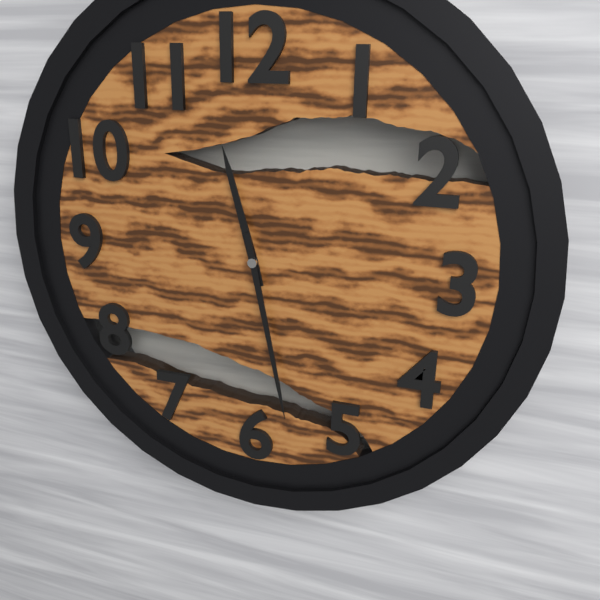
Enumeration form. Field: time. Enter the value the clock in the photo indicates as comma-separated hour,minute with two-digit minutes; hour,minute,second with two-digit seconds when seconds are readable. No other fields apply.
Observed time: 11,28
